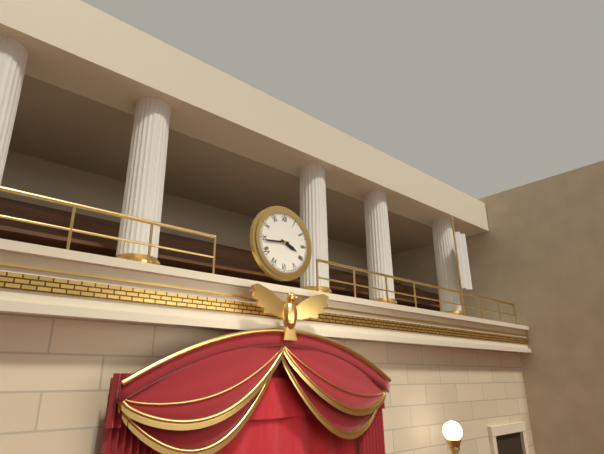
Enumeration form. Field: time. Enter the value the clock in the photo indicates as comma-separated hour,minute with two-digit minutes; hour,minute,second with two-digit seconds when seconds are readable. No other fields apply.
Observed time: 3,44
